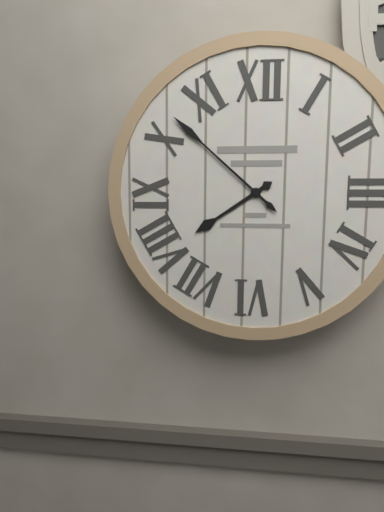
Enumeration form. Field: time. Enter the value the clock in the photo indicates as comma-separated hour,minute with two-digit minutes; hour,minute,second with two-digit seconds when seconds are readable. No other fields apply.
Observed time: 7,52
